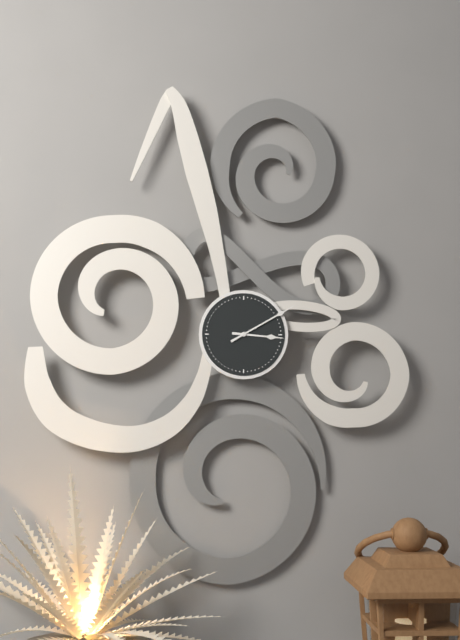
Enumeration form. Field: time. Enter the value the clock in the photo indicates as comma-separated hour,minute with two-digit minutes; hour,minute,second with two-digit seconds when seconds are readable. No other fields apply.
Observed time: 3,10
